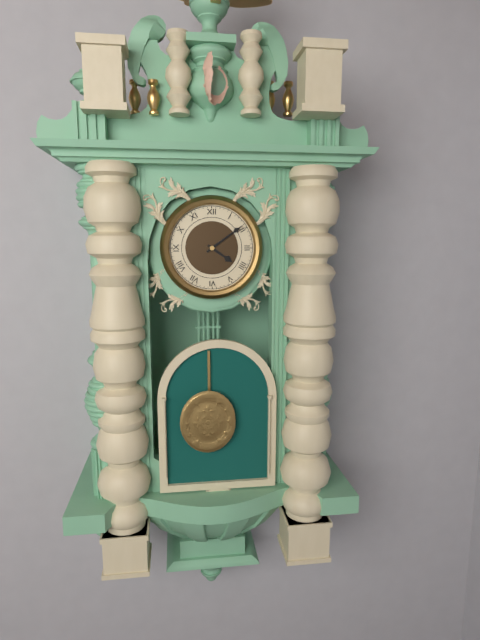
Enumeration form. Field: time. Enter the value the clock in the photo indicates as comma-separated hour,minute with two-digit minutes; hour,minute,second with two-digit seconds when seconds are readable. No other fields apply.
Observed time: 4,09
